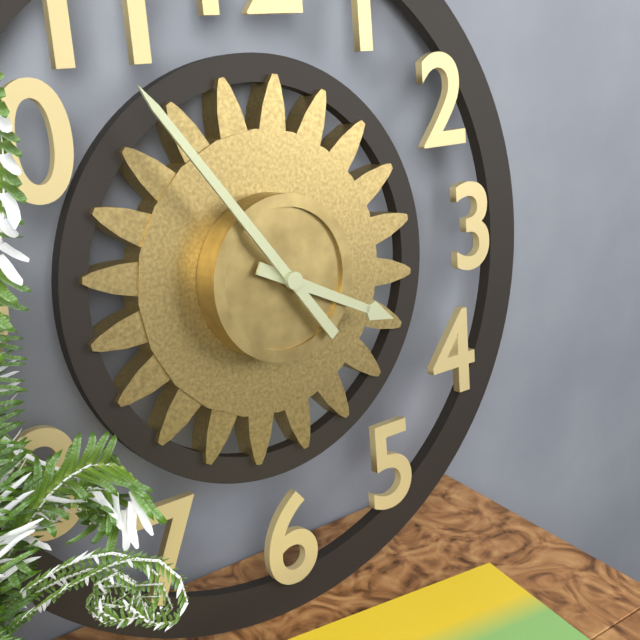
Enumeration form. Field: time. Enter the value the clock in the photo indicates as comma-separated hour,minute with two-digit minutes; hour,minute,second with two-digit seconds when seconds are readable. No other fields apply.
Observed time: 3,54
